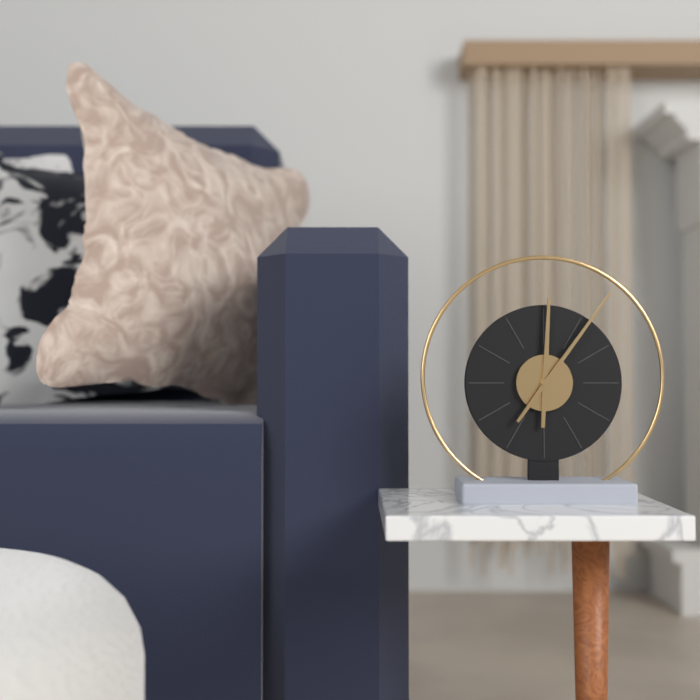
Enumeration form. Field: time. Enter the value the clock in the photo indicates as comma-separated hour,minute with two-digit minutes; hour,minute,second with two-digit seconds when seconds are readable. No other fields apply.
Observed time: 12,06
